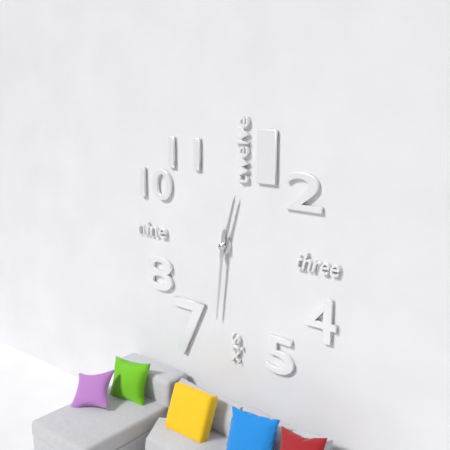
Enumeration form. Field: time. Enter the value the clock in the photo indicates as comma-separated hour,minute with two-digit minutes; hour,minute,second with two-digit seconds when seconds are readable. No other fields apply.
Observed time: 12,31
